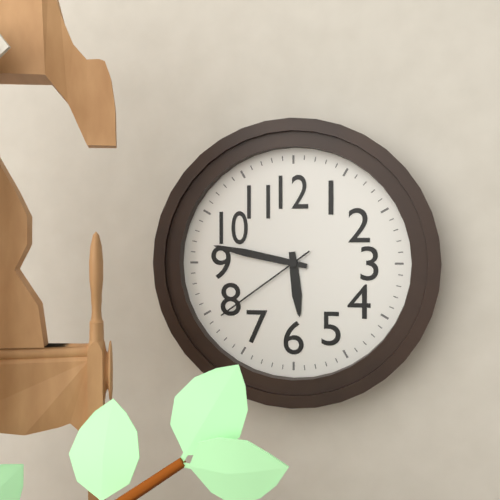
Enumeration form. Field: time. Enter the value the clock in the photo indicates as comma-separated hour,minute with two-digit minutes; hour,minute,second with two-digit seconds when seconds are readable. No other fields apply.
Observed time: 5,47,39
